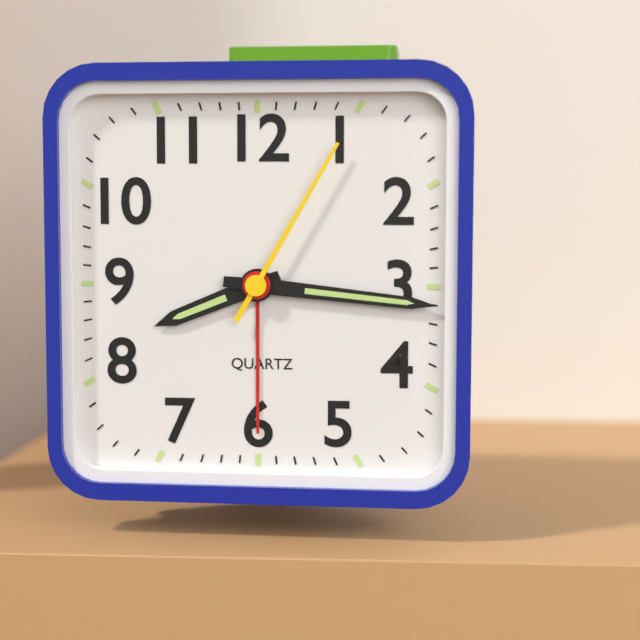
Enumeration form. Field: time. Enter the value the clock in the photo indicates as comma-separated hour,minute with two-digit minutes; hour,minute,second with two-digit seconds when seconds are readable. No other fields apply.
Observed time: 8,16,05
